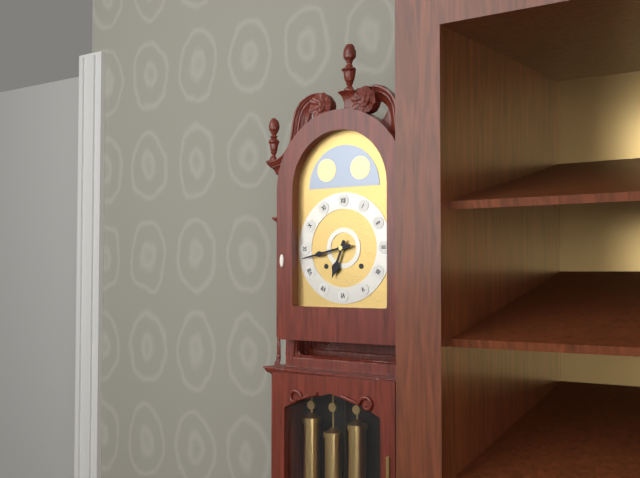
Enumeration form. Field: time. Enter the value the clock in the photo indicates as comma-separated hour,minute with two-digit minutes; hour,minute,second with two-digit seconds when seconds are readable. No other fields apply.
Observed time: 6,43
